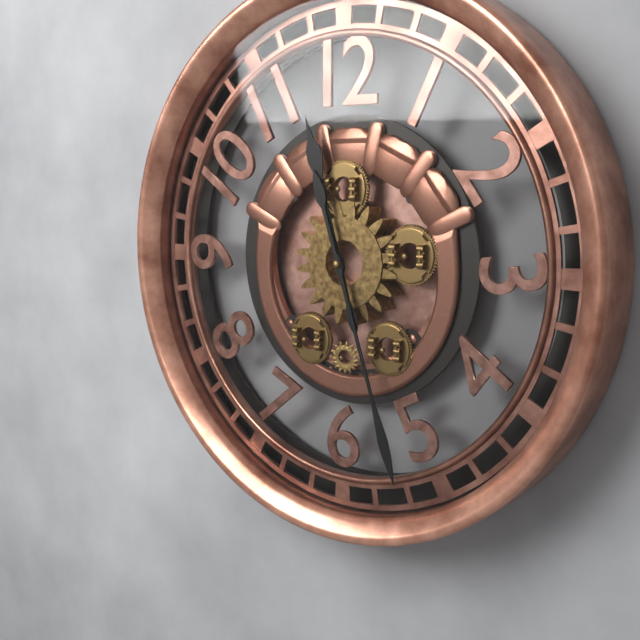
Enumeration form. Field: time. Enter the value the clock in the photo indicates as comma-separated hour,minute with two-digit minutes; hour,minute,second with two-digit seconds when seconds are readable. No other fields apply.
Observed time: 11,27
